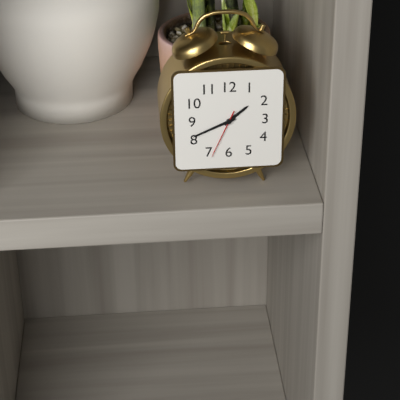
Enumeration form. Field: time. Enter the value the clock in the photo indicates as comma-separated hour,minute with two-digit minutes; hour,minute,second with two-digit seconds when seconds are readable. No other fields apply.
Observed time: 1,41,34
